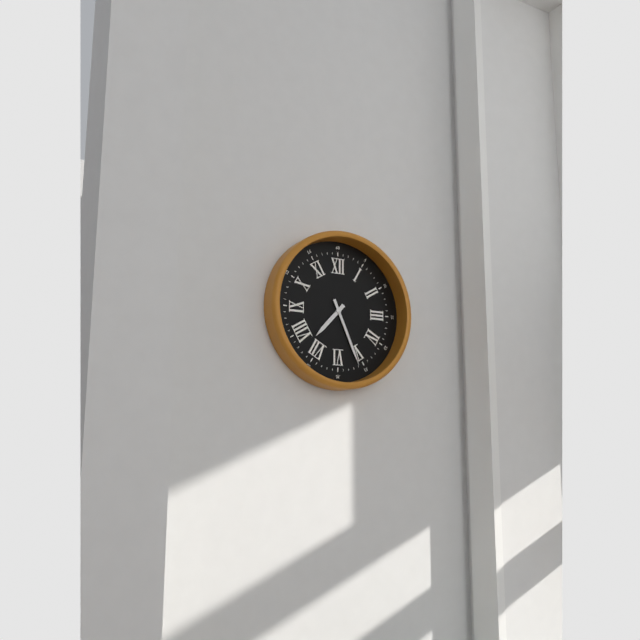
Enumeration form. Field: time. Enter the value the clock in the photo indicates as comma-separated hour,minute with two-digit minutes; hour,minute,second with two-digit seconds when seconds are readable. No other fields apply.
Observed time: 7,26
